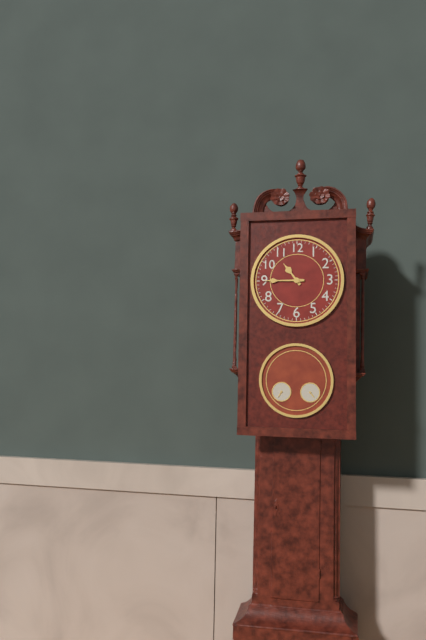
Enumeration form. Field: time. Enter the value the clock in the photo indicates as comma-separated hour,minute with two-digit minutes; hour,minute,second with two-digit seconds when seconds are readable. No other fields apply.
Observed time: 10,45
